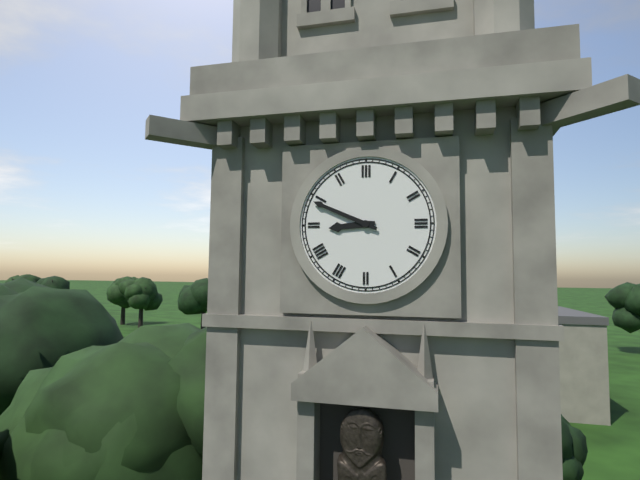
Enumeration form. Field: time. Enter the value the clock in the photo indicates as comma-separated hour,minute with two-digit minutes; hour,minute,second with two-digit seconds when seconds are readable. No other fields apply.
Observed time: 8,49
